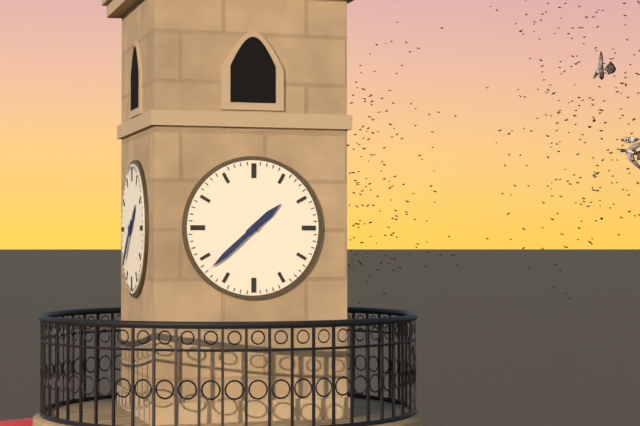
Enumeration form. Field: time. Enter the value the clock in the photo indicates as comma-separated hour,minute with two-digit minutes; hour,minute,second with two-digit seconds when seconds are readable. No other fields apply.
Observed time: 1,38
